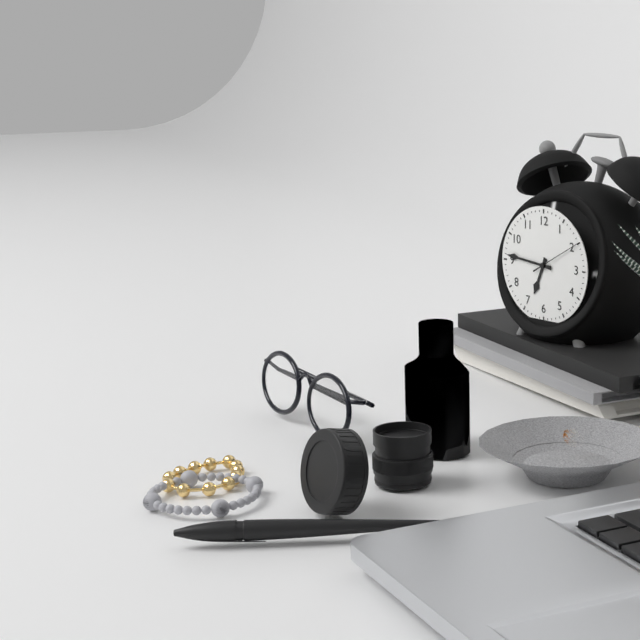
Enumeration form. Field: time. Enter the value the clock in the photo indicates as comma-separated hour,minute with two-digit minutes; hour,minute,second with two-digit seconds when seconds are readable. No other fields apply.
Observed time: 6,46,10
